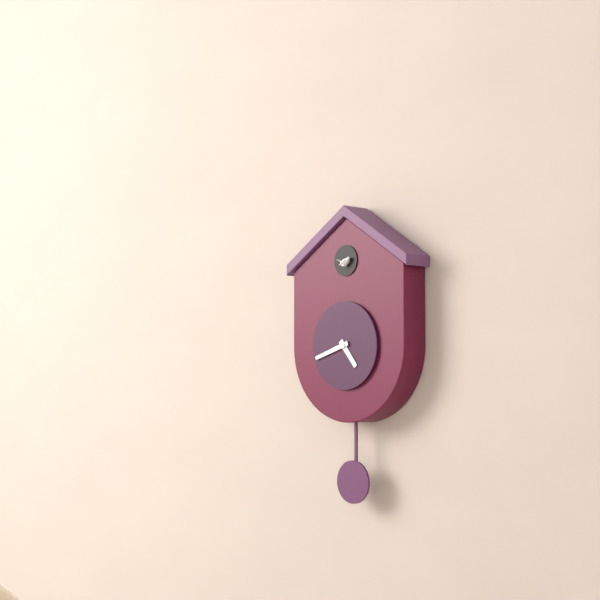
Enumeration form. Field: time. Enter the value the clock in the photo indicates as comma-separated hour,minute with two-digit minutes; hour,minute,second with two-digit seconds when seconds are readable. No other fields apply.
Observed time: 4,42
